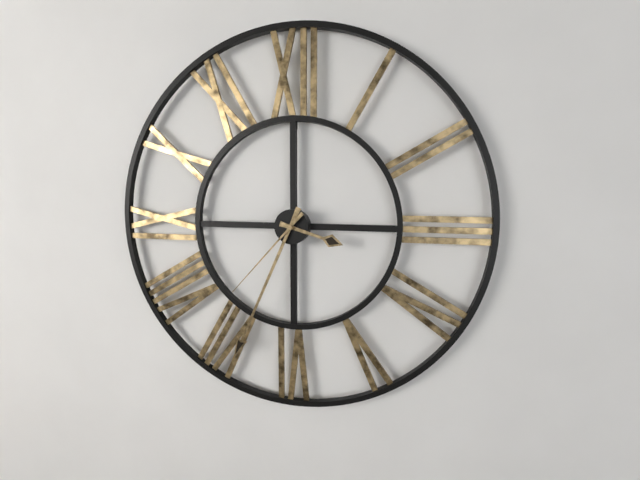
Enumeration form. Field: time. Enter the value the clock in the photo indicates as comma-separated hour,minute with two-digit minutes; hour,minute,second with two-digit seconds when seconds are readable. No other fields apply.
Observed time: 3,34,37
